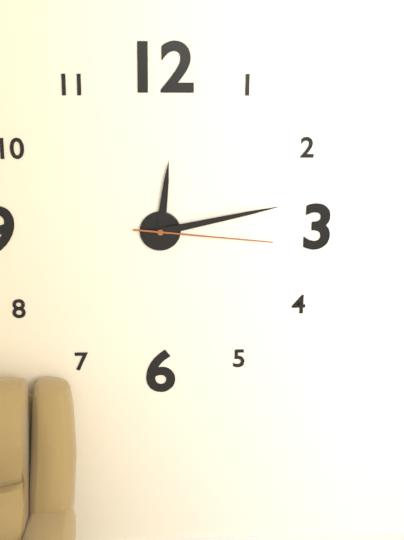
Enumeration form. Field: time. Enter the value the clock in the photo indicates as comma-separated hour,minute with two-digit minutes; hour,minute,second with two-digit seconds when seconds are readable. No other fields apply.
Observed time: 12,13,16
